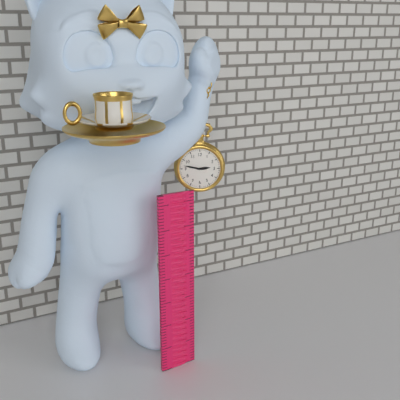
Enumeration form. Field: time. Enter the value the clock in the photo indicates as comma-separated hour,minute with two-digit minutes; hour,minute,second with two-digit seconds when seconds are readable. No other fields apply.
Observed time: 2,47
